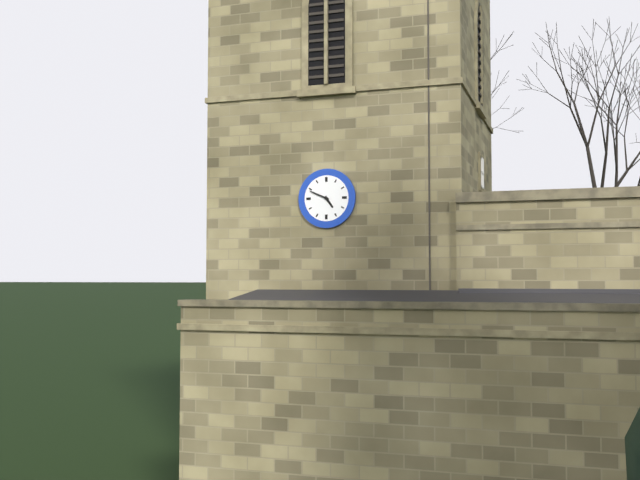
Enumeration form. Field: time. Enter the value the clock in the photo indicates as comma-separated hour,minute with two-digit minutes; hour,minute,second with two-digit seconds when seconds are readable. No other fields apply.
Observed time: 4,49
